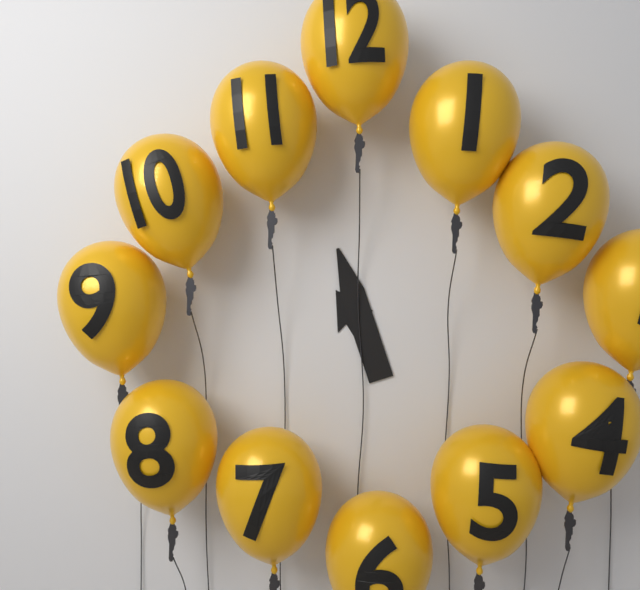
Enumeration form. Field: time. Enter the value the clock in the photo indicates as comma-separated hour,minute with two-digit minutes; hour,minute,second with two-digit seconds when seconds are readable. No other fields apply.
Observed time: 10,57
